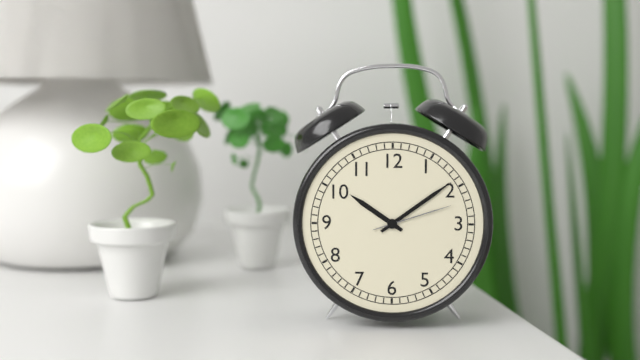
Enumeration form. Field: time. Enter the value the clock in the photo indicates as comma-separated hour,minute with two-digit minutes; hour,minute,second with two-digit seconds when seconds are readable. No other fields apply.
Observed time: 10,09,12
